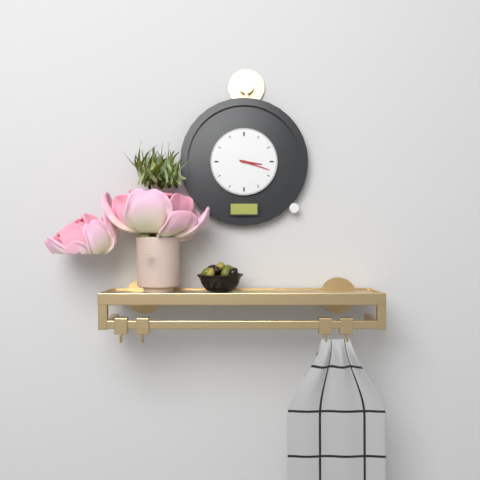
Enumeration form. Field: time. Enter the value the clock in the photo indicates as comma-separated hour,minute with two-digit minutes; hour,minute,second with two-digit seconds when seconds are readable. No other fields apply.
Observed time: 3,18
